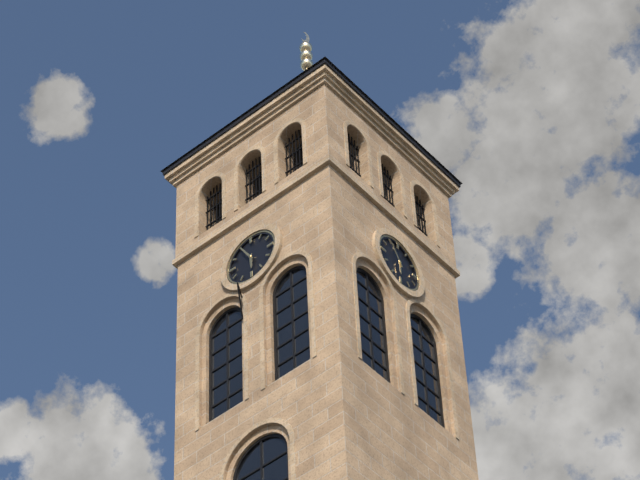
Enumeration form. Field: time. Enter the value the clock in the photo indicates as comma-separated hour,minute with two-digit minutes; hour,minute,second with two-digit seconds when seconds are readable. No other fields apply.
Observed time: 5,55
